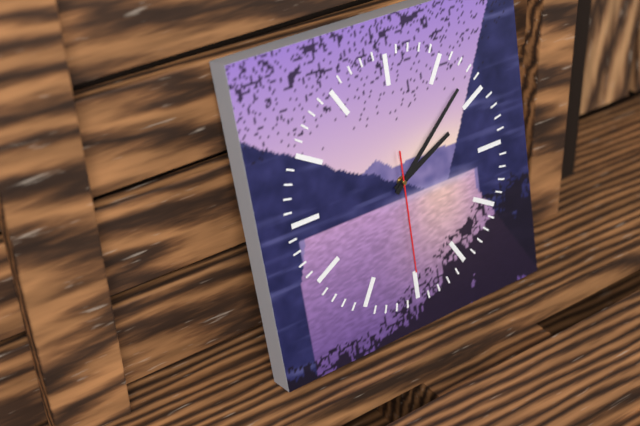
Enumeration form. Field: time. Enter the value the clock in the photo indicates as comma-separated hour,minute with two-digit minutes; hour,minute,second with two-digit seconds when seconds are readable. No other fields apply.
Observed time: 2,08,30
